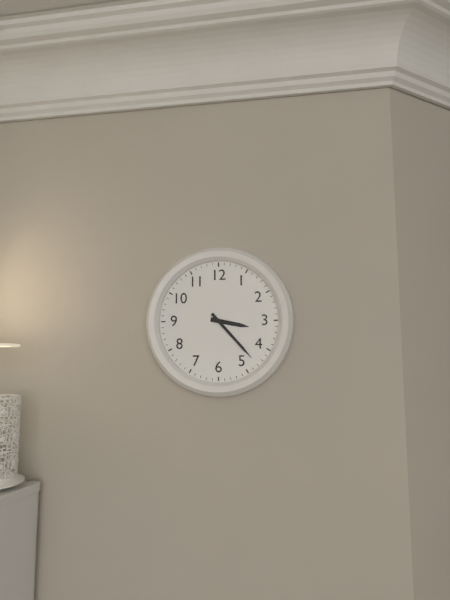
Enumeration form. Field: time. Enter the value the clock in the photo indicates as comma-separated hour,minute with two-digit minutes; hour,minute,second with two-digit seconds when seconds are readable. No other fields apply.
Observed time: 3,23
